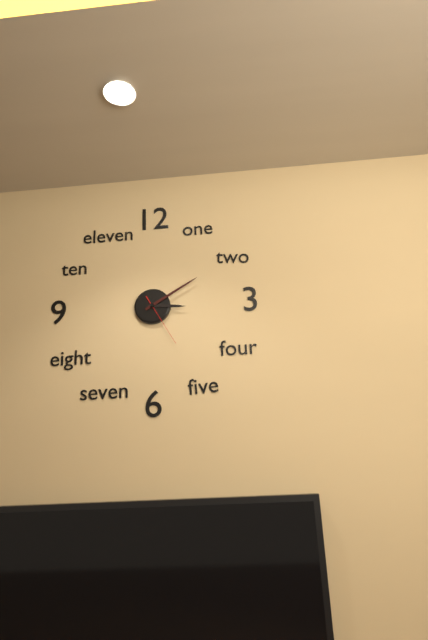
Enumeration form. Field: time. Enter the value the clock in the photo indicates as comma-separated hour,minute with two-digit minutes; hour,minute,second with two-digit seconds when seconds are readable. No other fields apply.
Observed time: 3,10,25
